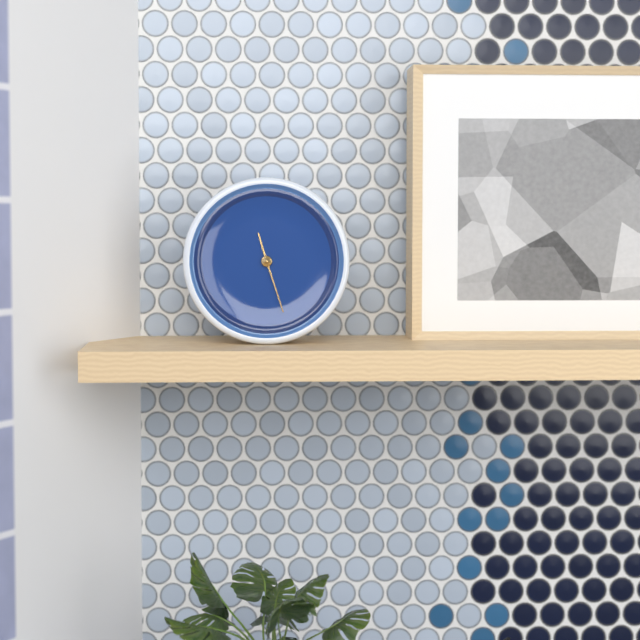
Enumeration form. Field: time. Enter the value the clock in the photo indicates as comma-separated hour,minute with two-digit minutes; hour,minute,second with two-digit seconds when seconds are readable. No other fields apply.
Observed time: 11,27
